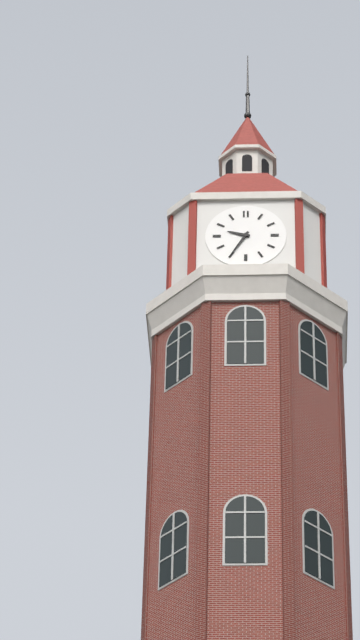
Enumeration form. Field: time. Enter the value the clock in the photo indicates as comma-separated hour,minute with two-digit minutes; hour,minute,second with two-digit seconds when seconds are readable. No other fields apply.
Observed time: 9,35
